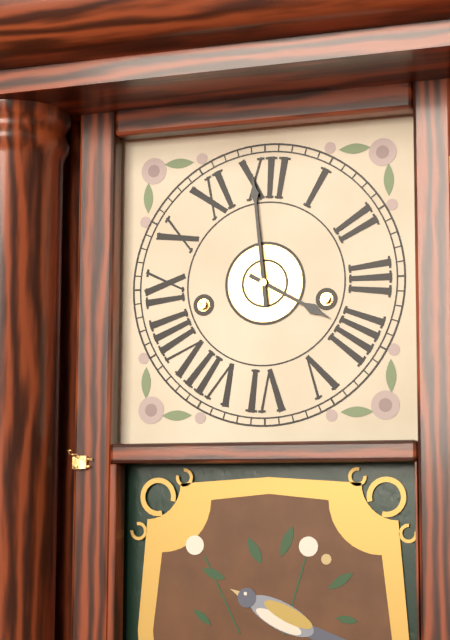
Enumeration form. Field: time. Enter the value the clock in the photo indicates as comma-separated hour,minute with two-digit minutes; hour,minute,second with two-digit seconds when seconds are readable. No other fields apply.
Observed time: 3,59
